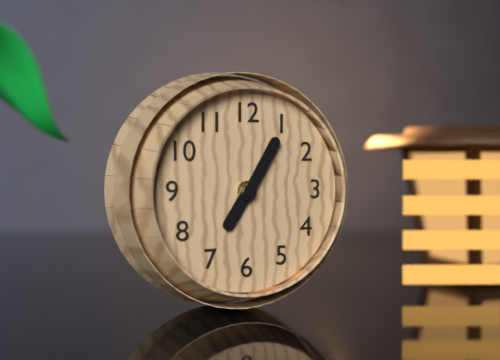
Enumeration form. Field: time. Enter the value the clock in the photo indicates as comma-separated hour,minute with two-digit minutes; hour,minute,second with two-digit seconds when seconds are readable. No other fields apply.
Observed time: 7,05
